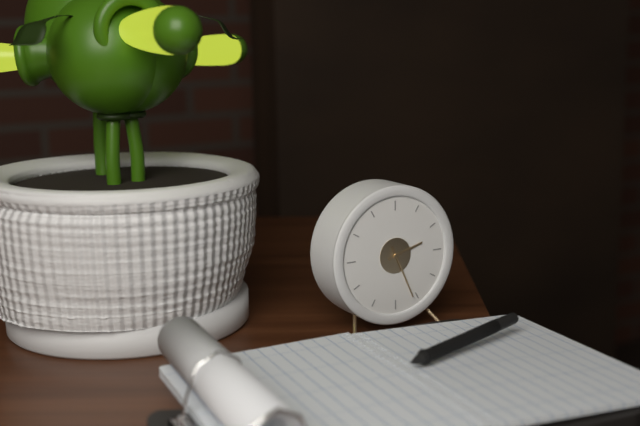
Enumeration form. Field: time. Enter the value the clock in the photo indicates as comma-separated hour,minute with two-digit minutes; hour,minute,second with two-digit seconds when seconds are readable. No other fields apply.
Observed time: 2,26
